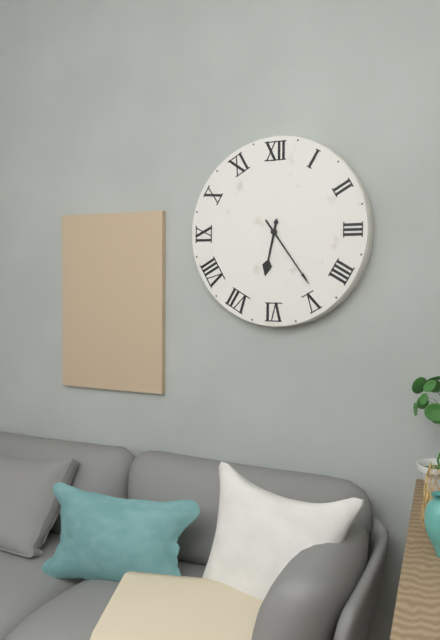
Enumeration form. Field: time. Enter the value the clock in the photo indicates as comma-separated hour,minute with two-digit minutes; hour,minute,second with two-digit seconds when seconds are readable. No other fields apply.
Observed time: 6,24
